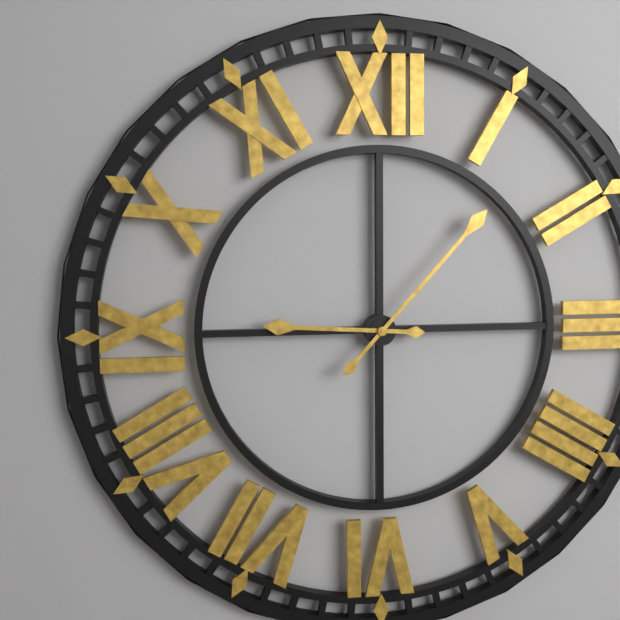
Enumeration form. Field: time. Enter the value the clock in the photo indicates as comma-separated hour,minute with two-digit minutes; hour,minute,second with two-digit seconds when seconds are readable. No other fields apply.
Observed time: 9,07
